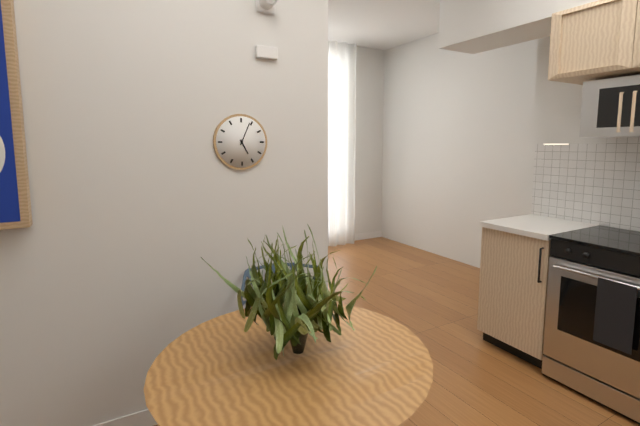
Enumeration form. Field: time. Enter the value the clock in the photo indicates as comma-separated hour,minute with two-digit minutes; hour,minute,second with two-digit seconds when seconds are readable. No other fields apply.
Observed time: 5,04
